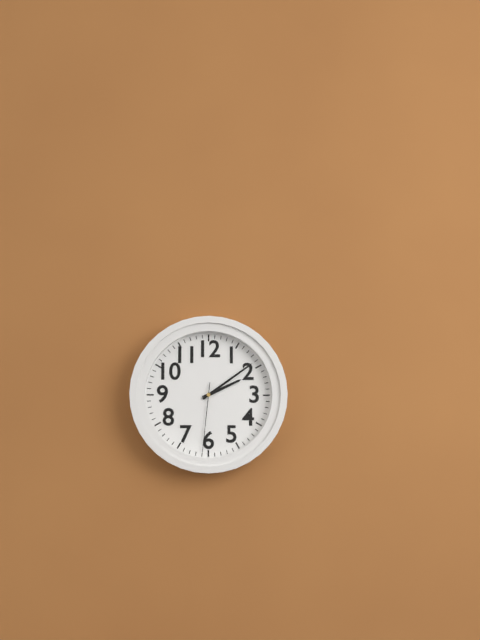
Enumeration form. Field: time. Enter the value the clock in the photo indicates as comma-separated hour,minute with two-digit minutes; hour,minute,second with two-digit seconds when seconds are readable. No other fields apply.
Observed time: 2,09,31
